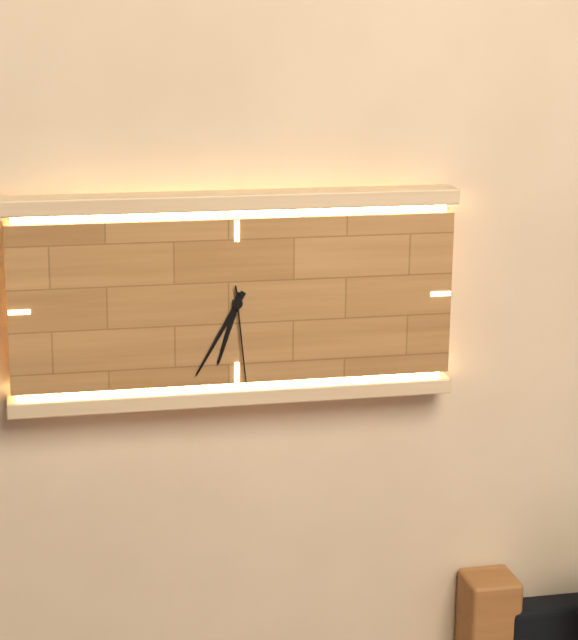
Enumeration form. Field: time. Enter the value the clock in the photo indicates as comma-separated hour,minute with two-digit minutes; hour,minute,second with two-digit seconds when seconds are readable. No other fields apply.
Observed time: 6,35,29
